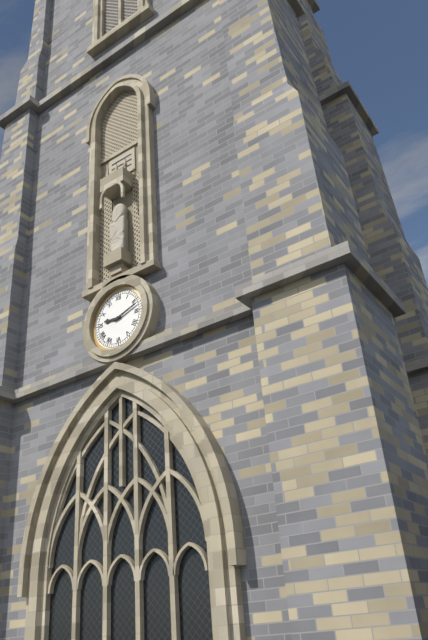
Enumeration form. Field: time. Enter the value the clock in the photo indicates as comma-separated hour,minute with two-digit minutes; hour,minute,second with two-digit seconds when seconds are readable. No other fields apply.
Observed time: 9,12
